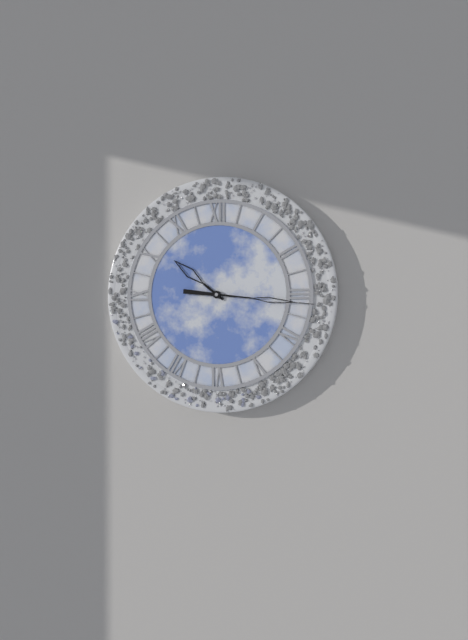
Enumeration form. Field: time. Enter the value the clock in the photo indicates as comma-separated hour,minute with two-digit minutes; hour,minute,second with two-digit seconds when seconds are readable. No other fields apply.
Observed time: 10,16
